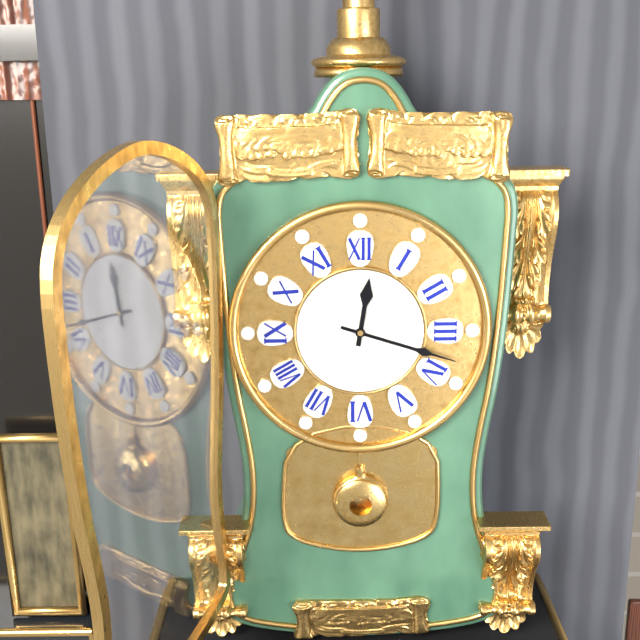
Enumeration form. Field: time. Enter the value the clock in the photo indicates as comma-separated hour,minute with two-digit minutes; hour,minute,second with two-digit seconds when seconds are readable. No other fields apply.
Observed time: 12,18
